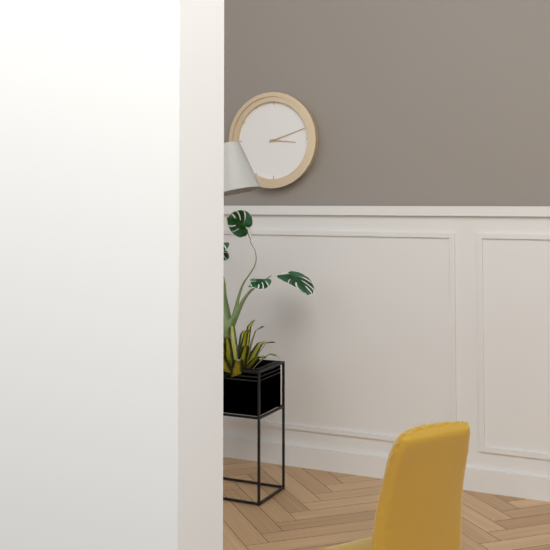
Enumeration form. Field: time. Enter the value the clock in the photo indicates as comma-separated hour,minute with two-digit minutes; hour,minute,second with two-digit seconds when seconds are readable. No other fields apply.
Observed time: 3,12
